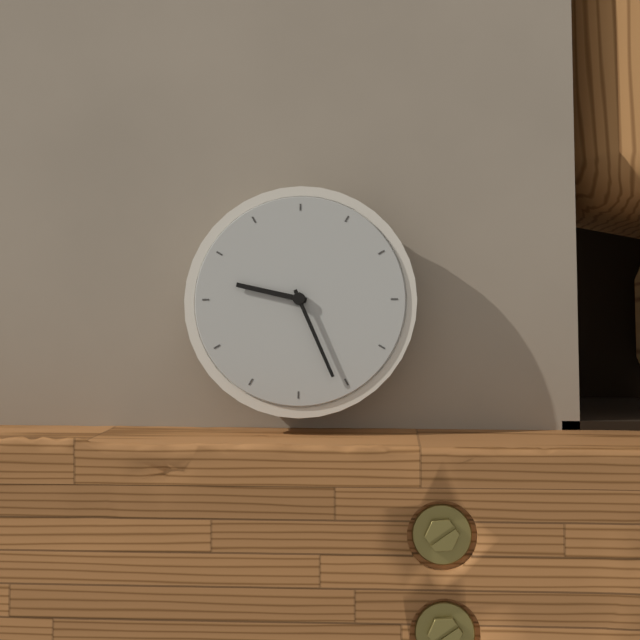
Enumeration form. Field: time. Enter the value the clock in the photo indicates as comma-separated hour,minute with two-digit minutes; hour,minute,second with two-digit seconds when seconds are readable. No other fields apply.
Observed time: 9,26
